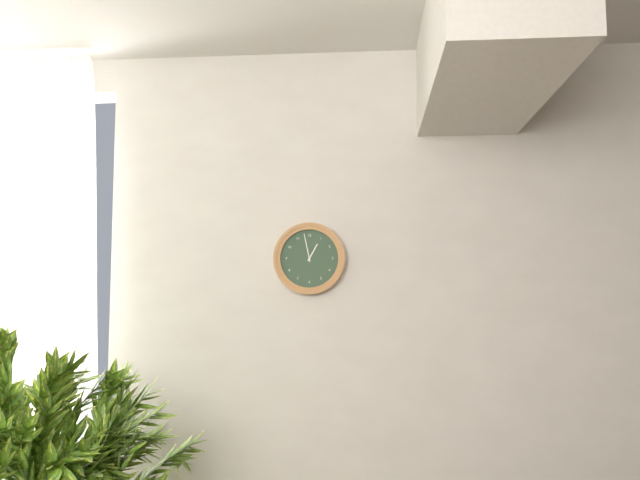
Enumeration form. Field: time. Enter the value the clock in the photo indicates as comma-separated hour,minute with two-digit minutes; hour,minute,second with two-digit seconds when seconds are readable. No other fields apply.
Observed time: 12,58
